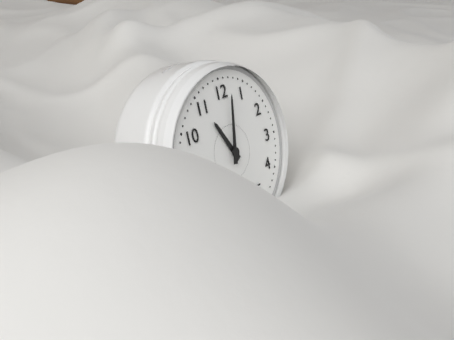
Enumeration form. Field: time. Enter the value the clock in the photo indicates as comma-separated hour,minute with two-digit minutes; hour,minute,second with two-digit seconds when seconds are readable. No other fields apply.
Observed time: 11,02
